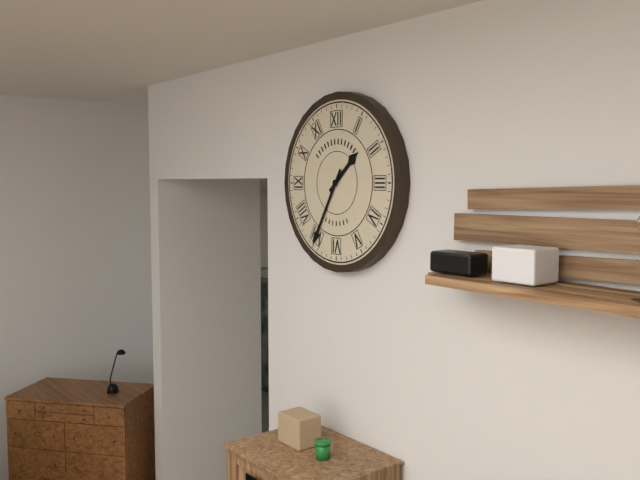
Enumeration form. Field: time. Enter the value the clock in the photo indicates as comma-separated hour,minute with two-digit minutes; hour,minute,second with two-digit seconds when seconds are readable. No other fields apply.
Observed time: 1,35
